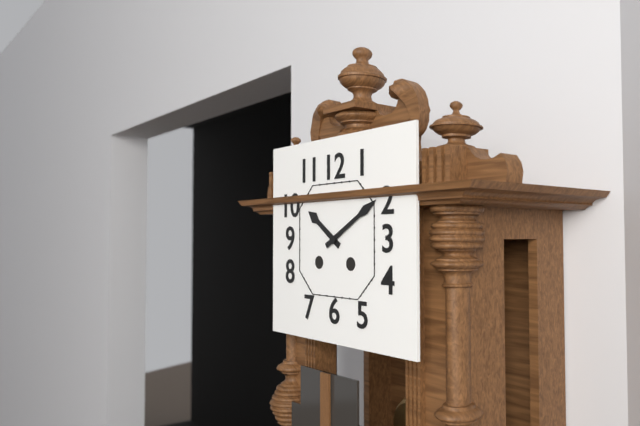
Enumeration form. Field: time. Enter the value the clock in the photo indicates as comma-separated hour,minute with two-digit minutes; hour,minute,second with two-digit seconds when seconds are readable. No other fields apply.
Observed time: 10,10
